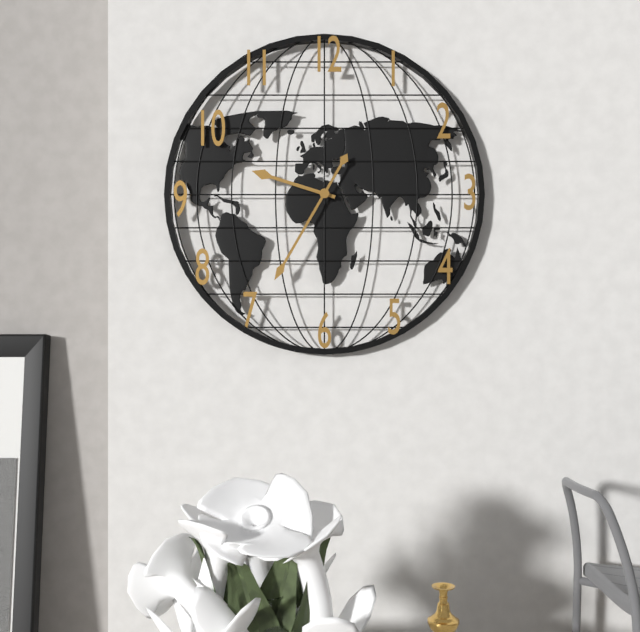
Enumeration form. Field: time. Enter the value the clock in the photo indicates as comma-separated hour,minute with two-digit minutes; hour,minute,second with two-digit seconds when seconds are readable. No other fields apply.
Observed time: 9,35
